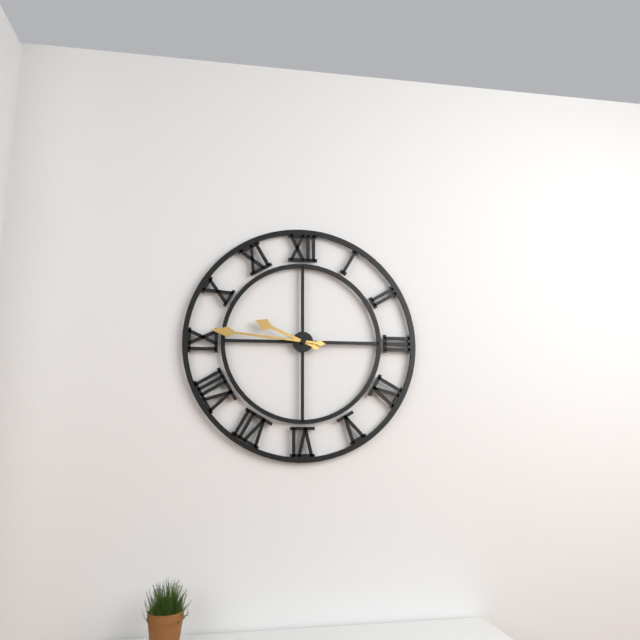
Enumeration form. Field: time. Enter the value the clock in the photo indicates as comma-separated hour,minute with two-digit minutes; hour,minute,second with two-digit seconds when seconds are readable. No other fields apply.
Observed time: 9,46
